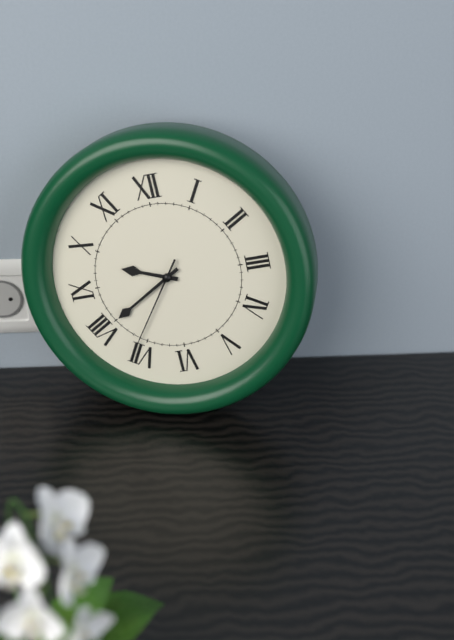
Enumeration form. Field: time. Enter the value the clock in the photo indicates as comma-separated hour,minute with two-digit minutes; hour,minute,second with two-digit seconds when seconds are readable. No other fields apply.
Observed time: 9,40,36
